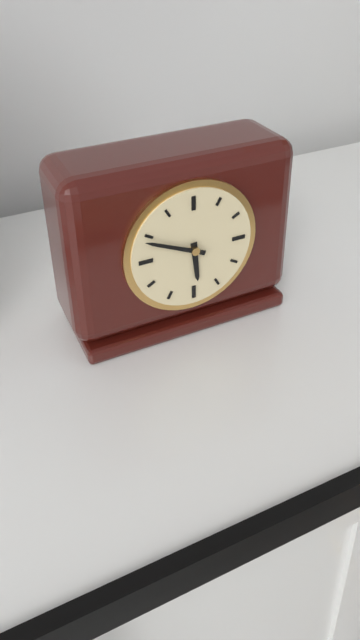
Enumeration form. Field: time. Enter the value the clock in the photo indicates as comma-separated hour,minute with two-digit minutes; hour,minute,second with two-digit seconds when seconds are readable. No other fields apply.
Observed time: 5,49
